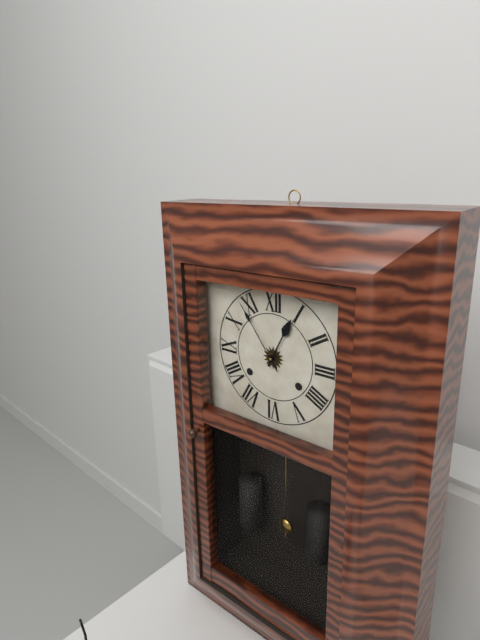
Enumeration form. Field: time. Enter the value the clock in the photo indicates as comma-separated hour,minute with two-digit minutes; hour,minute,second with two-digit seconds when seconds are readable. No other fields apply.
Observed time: 12,54
